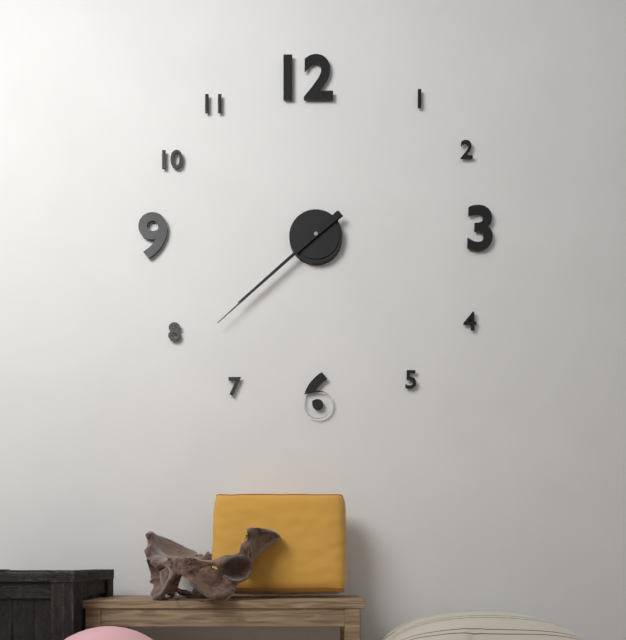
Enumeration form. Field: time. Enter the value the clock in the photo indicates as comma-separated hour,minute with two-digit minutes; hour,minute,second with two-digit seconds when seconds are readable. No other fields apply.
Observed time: 7,38
